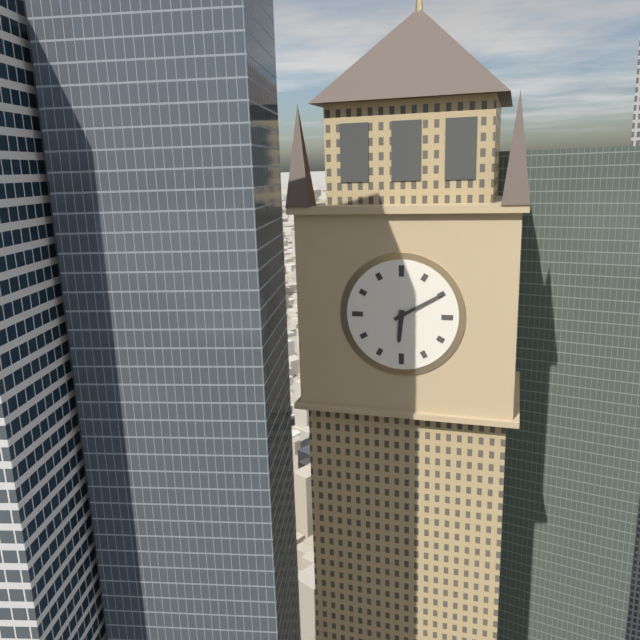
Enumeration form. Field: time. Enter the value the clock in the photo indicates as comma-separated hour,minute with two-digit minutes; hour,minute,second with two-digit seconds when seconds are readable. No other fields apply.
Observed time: 6,10
